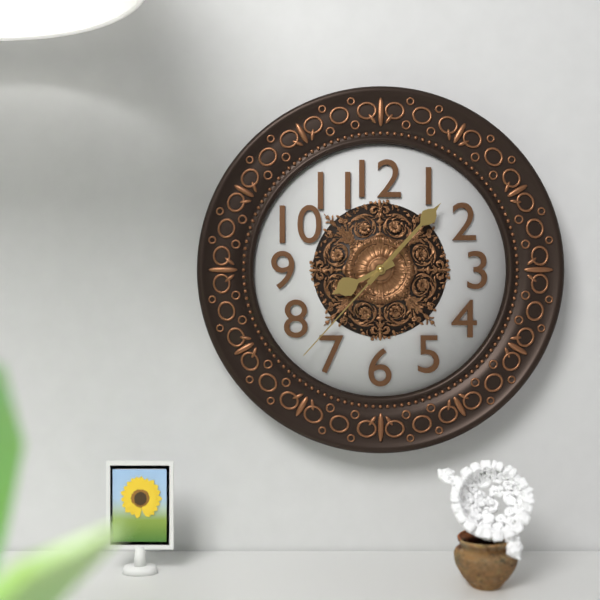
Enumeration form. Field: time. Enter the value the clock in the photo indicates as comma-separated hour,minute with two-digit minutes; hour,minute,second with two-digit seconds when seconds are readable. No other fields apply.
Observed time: 8,07,37
